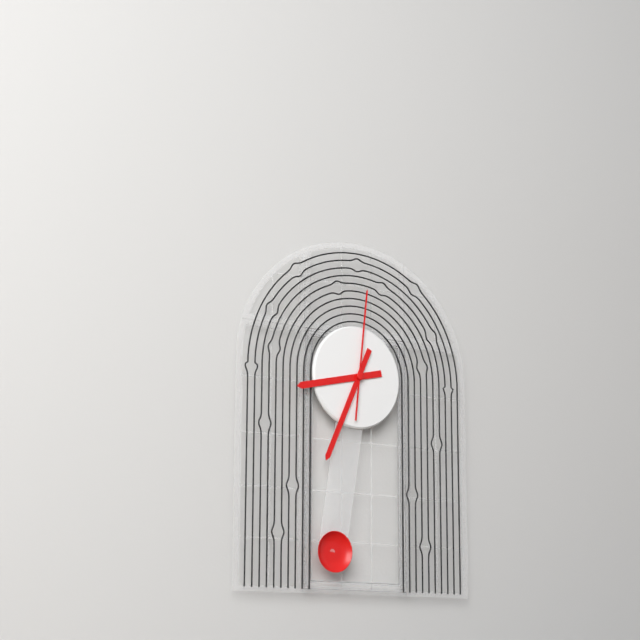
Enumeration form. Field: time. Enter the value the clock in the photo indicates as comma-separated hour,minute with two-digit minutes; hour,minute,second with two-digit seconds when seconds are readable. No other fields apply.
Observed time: 8,34,01
